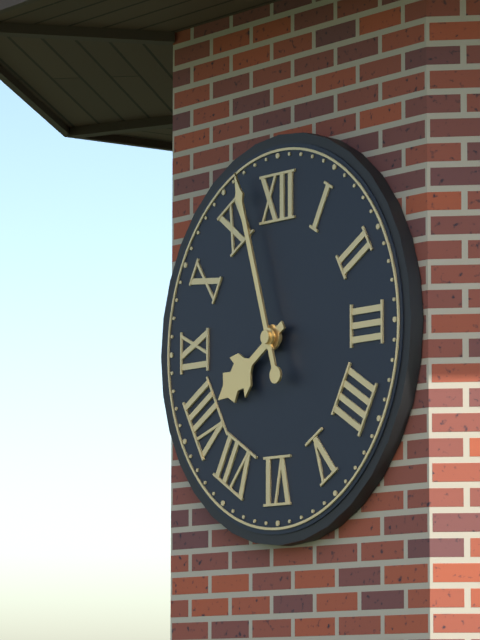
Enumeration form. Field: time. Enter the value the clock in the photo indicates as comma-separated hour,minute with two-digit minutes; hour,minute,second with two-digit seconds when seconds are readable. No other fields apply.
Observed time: 7,57
